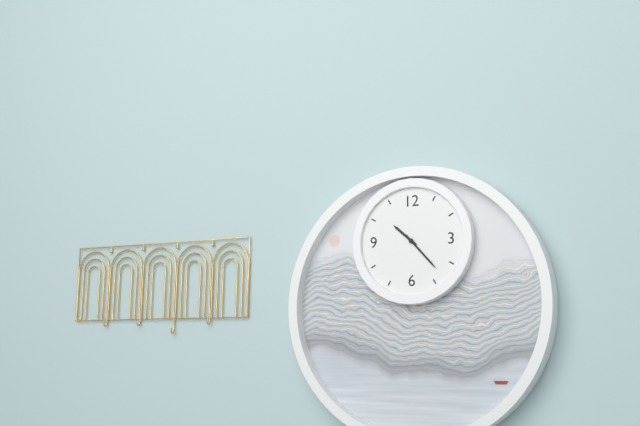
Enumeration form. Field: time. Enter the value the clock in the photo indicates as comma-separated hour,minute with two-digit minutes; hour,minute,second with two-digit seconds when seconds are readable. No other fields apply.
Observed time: 10,23
